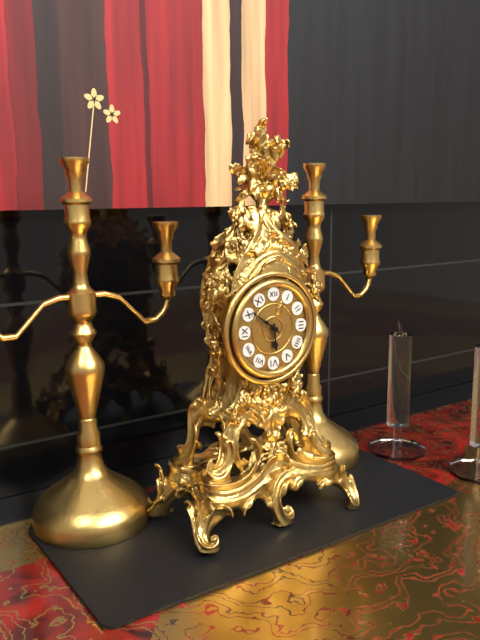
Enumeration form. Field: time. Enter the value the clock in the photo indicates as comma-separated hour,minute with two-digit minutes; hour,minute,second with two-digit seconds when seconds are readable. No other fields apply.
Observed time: 5,51
